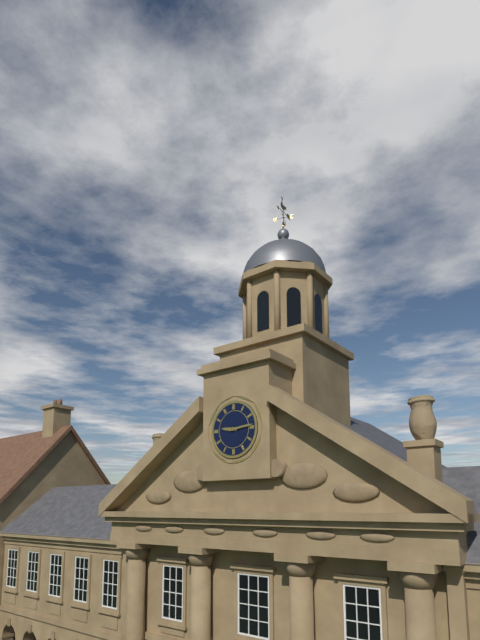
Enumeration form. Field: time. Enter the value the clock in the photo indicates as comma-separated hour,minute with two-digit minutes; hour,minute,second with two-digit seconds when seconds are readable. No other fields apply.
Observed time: 9,14
